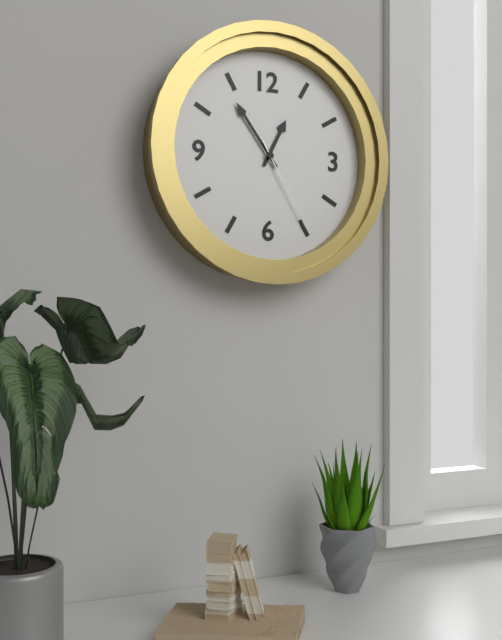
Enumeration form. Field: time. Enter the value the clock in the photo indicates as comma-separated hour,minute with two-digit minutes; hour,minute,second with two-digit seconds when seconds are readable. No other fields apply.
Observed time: 12,54,25
